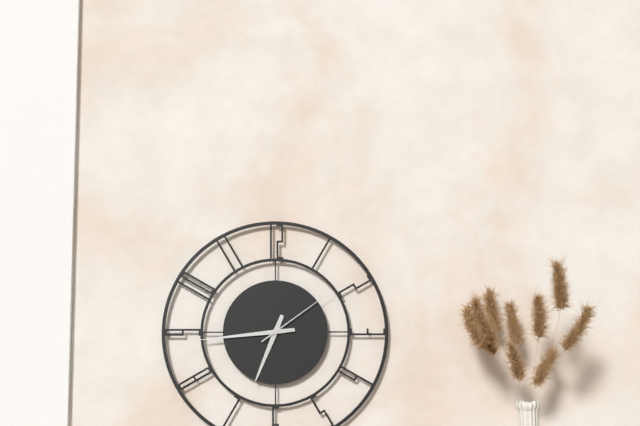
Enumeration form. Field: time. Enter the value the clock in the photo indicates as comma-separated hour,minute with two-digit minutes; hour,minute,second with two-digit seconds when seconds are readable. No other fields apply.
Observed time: 6,44,09
